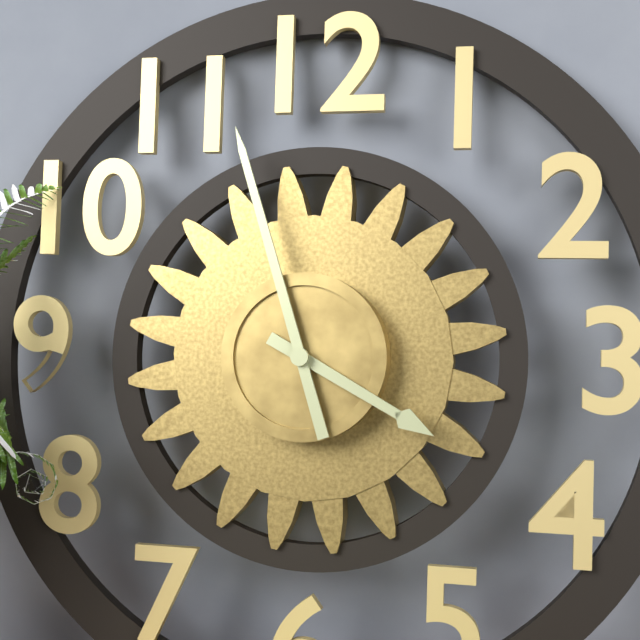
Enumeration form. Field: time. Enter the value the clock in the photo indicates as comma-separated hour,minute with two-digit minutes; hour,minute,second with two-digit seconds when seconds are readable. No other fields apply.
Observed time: 3,57
